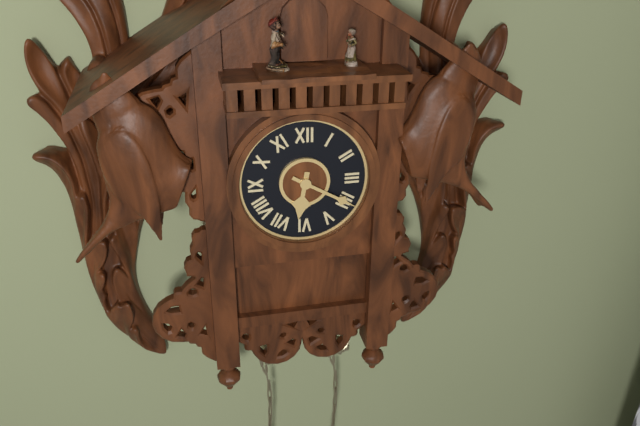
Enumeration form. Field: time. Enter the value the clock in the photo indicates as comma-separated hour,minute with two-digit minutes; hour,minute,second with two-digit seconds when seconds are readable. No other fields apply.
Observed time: 6,20
